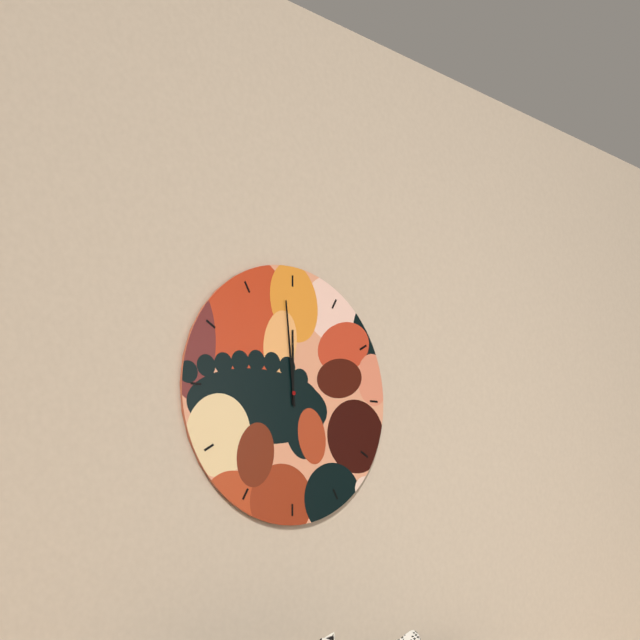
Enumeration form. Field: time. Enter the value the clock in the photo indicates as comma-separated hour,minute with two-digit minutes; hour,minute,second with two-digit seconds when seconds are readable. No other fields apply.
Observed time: 11,59
